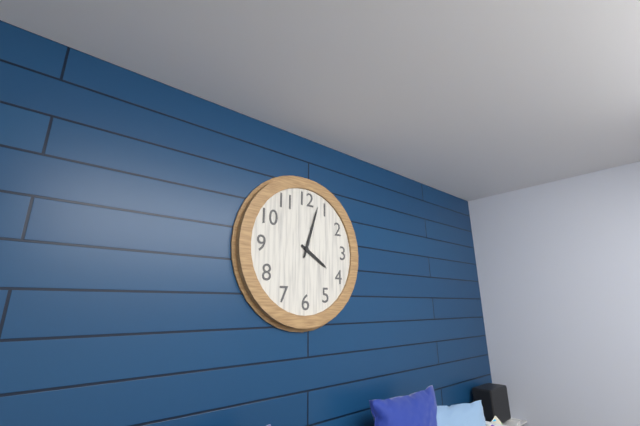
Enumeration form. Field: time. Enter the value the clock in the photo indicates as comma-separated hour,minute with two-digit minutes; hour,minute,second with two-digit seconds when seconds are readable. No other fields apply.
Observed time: 4,03
